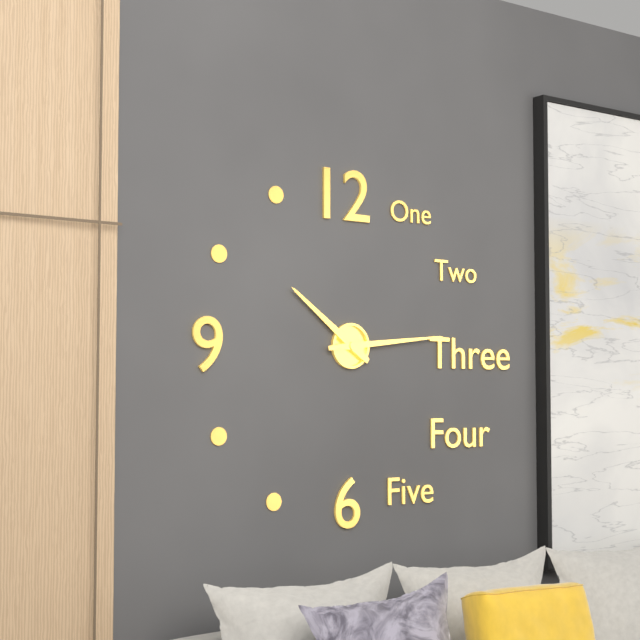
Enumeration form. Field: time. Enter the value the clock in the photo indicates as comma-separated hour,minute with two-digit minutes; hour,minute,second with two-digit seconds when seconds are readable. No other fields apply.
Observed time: 10,14
